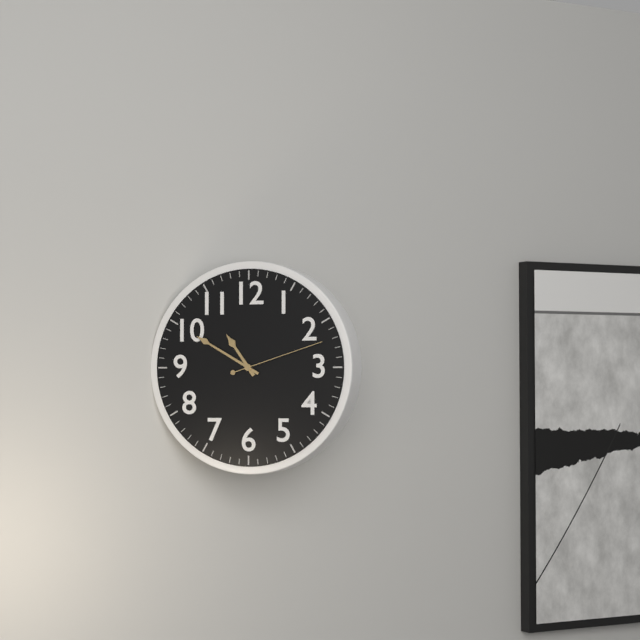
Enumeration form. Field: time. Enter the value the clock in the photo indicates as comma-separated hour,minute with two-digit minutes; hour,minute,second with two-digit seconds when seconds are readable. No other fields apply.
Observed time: 10,50,12
